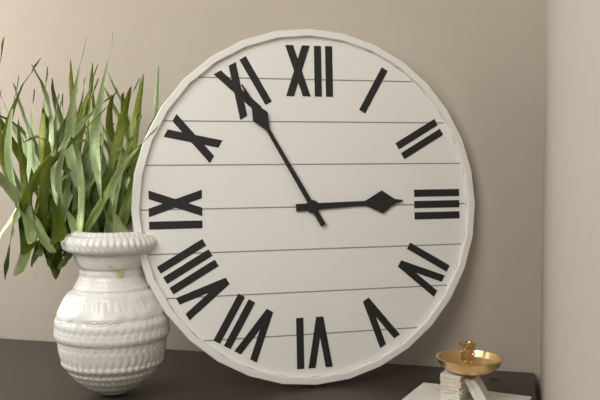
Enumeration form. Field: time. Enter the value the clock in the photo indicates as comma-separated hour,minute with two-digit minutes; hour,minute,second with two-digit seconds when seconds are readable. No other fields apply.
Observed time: 2,55
